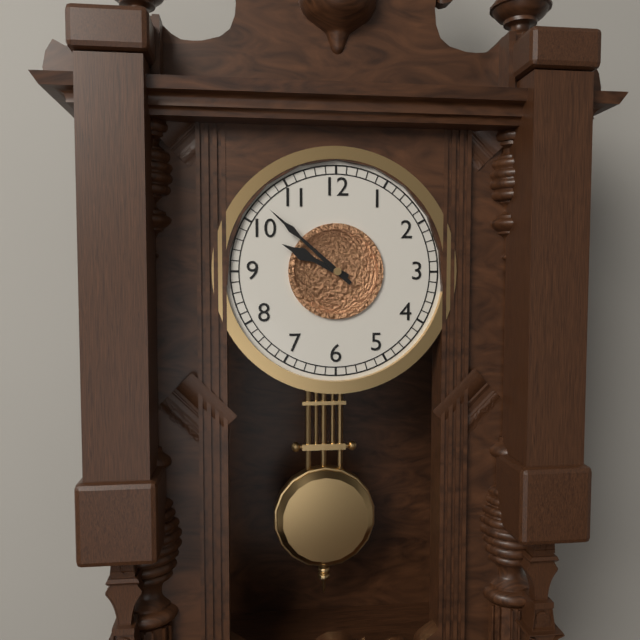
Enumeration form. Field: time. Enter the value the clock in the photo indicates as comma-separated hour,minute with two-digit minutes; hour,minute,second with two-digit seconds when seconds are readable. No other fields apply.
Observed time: 9,52
